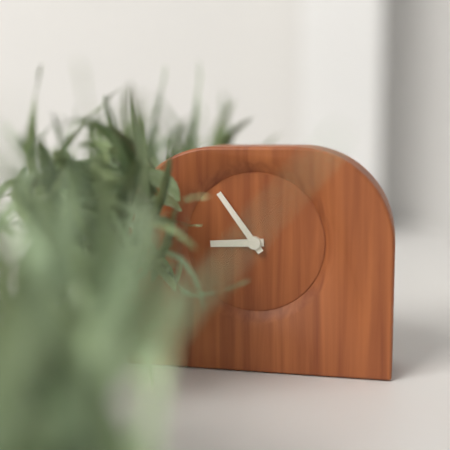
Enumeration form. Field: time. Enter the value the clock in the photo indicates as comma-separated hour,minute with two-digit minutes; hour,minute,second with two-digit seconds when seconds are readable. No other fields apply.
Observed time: 8,54
